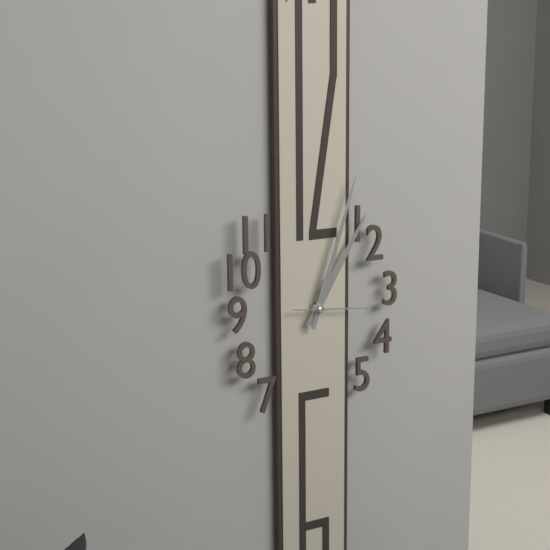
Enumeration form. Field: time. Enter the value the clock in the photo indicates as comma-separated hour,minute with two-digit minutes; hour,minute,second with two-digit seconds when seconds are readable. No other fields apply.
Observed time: 1,03,16
